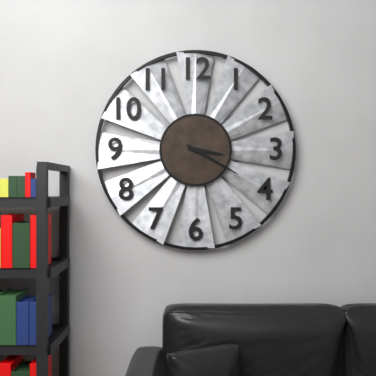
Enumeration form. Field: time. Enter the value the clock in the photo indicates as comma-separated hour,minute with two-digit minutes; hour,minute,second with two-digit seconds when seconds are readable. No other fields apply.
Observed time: 3,20
